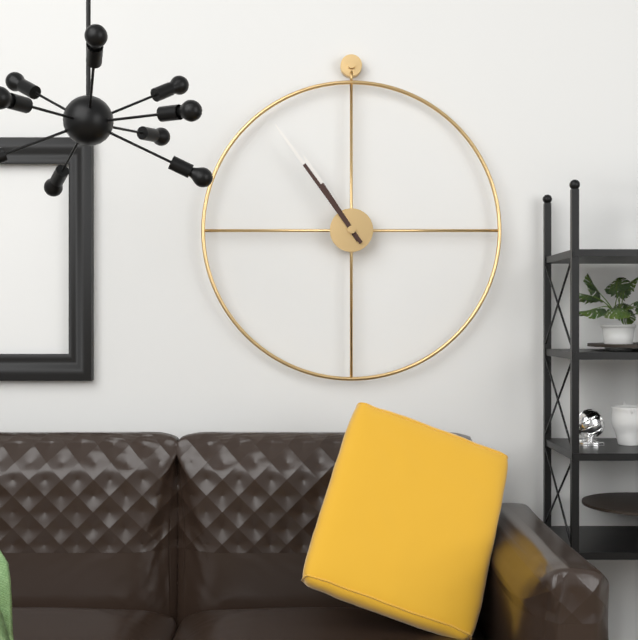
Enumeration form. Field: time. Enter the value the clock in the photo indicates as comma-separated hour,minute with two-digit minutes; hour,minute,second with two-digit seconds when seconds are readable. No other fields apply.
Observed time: 10,54
